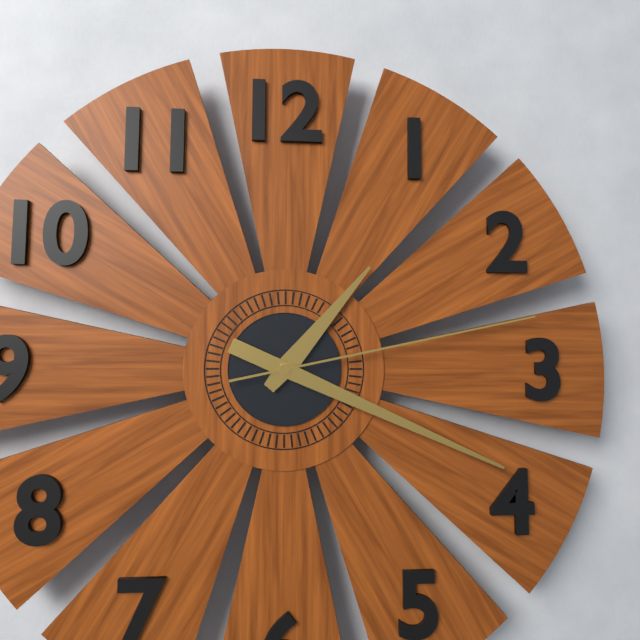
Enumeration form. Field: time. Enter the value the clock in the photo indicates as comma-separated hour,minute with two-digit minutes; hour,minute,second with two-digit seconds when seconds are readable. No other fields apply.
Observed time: 1,19,13
